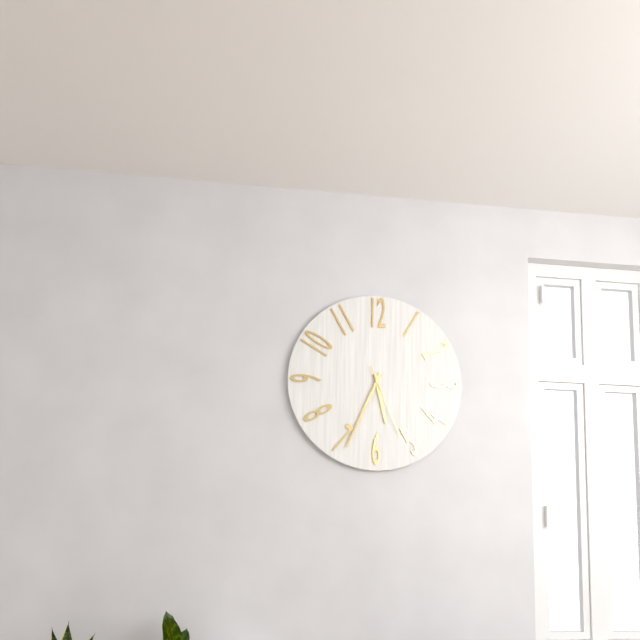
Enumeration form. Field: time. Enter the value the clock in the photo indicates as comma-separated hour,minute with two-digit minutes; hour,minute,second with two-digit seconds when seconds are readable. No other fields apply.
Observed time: 5,34,26
